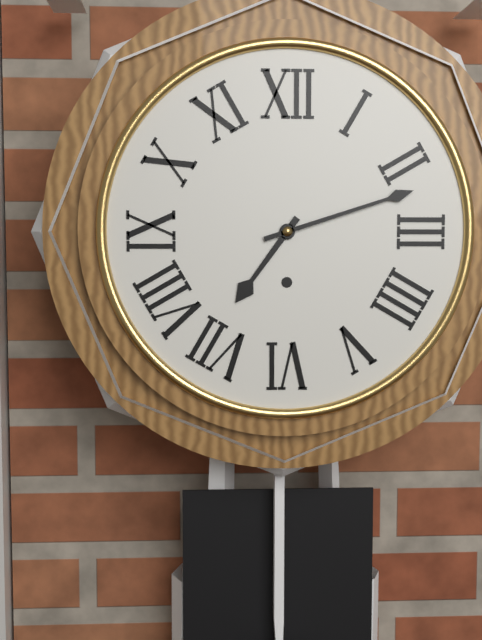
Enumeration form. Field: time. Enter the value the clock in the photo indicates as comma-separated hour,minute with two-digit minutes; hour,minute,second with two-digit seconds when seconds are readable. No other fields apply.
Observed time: 7,12
